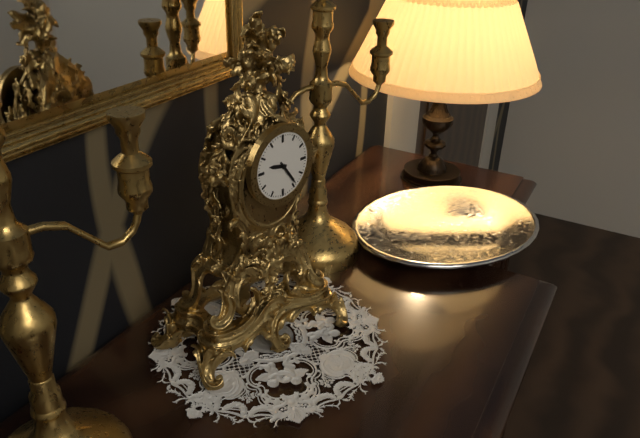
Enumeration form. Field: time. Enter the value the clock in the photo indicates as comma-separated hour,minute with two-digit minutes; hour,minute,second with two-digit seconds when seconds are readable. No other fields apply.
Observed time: 9,24
